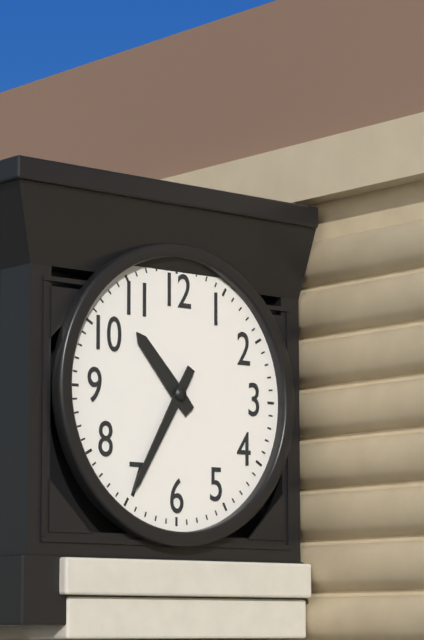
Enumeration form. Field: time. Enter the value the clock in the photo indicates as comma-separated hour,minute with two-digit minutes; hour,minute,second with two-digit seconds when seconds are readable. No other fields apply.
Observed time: 10,35
